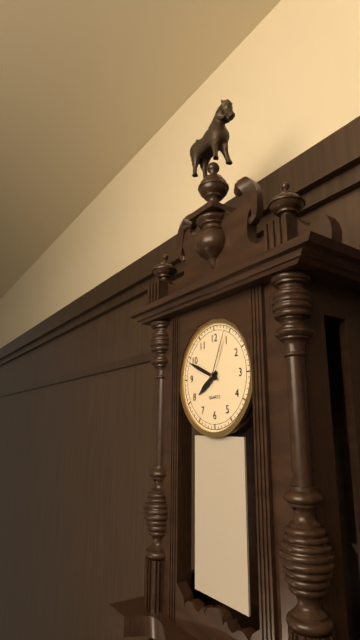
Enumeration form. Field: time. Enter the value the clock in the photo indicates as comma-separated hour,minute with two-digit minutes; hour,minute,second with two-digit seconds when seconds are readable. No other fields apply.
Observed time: 7,49,04
